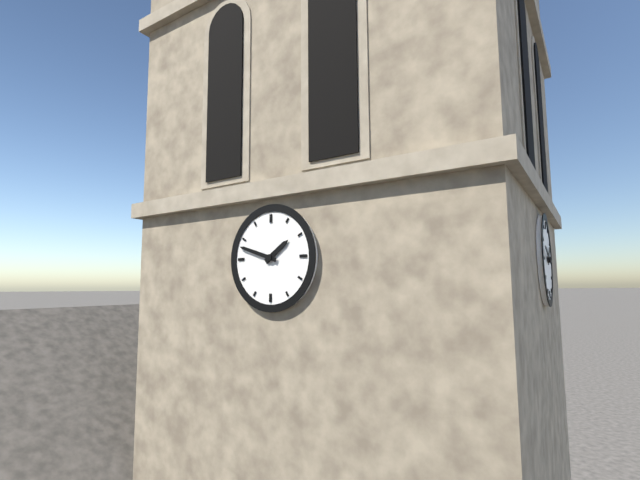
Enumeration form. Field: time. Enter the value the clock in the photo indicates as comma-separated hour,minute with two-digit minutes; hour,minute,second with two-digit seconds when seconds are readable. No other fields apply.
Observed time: 1,48
